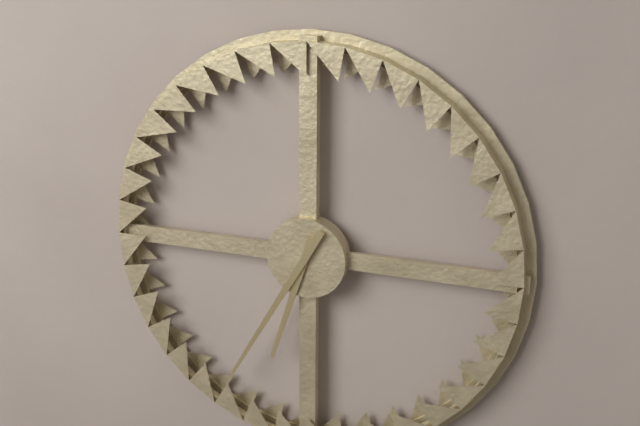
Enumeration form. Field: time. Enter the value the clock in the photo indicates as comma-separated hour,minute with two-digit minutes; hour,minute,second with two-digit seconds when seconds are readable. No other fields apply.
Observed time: 6,35
